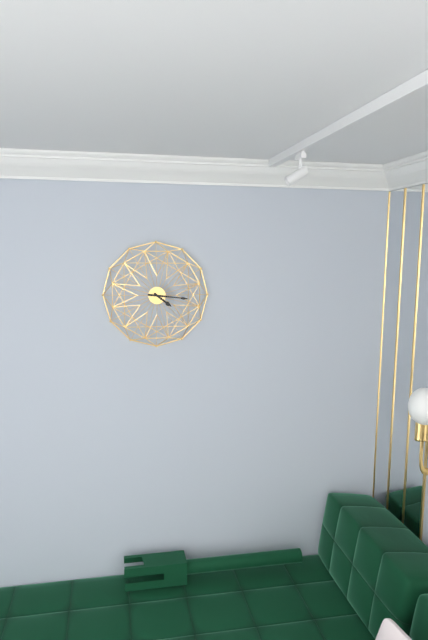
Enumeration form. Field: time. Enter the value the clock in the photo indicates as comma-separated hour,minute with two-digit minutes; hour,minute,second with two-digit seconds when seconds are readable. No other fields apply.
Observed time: 4,16
